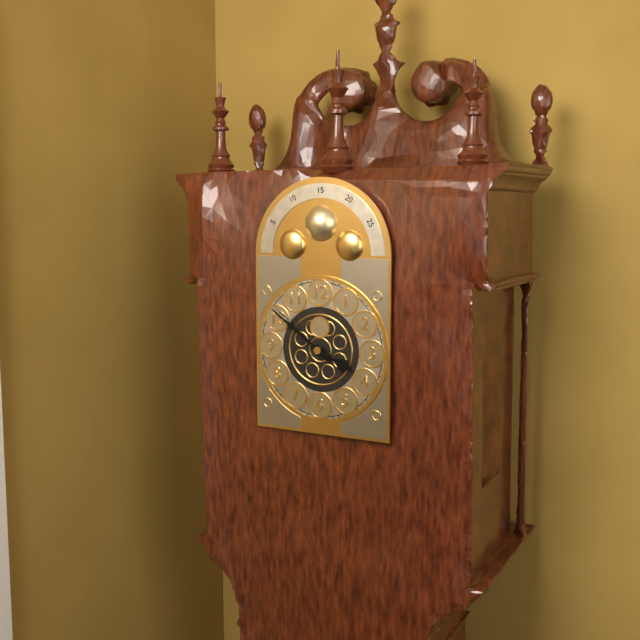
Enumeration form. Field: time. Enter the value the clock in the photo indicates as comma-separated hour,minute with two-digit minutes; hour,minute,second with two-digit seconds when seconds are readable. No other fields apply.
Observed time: 3,51
